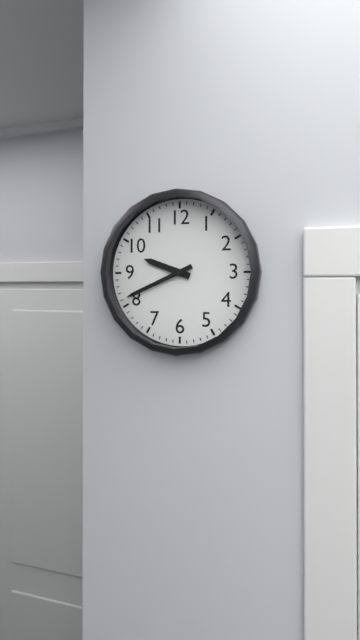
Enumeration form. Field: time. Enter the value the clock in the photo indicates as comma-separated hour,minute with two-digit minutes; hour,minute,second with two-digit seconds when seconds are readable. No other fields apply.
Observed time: 9,41
